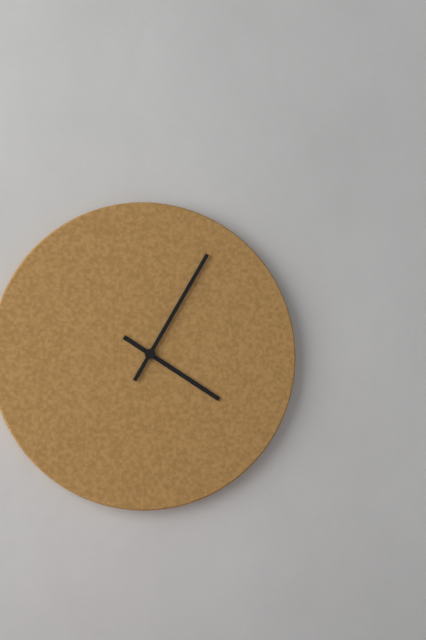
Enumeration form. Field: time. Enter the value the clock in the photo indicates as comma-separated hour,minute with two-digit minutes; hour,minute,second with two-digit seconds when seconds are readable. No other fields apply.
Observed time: 4,05
